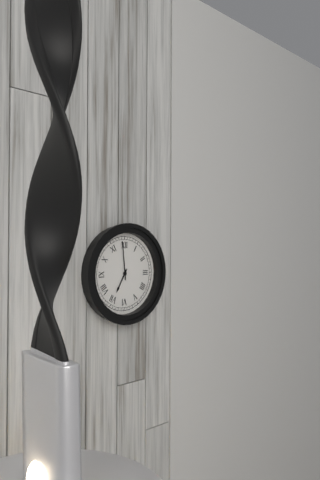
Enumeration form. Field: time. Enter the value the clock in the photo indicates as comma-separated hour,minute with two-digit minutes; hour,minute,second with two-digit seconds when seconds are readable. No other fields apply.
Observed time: 6,59
